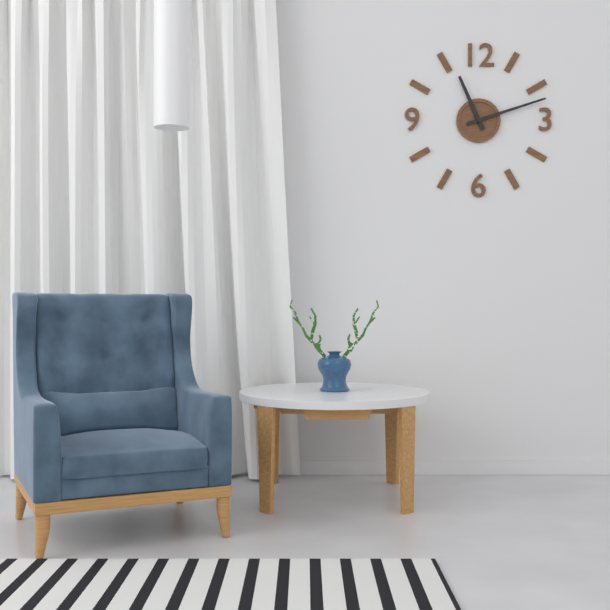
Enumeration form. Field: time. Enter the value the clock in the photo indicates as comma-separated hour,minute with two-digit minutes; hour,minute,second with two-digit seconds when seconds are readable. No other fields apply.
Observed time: 11,12
